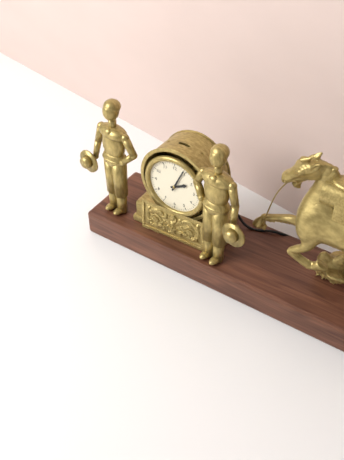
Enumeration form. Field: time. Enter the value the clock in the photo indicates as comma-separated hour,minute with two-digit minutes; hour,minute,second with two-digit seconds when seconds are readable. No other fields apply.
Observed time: 2,04
